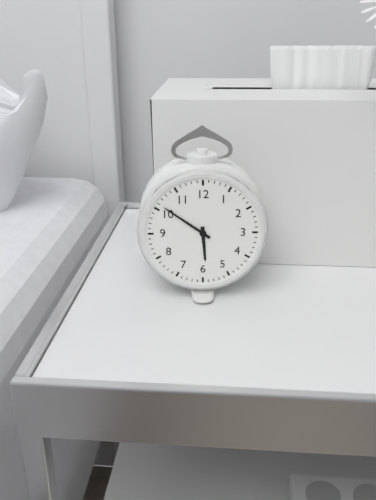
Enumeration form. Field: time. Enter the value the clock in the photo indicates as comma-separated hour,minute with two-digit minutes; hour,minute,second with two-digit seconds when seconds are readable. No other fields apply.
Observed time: 5,51
